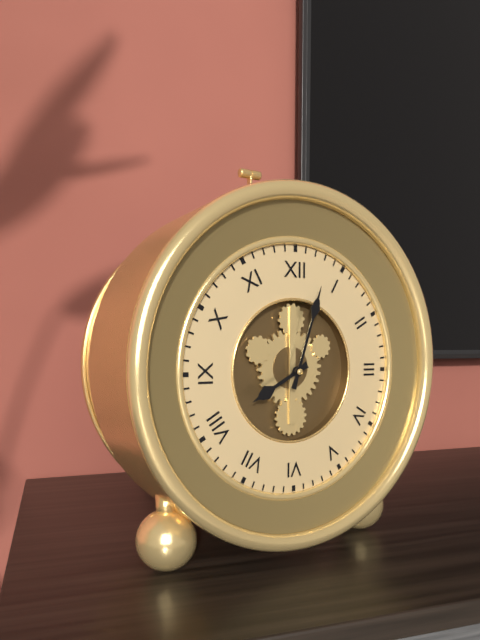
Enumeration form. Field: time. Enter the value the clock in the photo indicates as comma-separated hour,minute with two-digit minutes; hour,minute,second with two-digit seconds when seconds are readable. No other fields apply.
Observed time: 8,03
